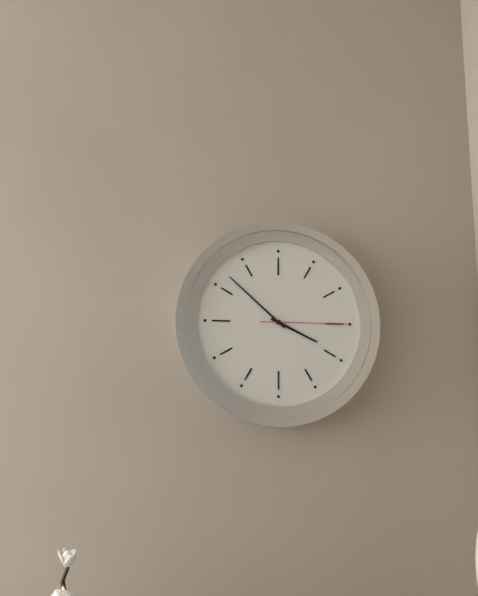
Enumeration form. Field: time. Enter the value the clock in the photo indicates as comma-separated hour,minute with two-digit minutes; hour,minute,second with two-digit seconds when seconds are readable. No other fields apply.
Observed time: 3,52,15
